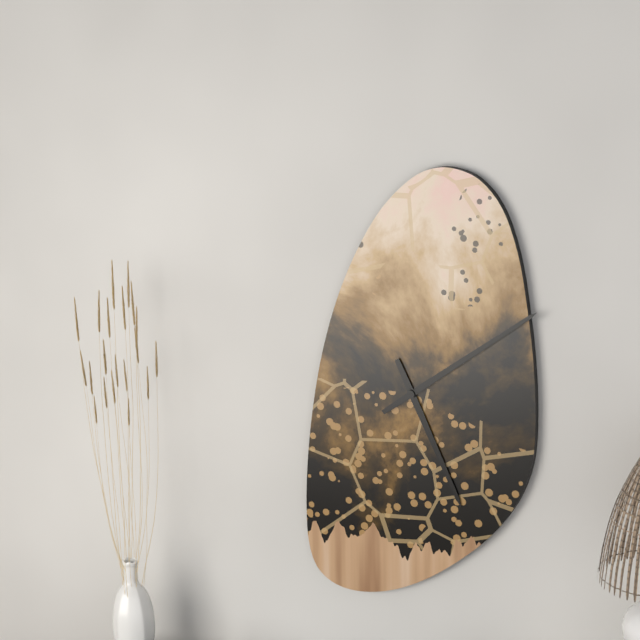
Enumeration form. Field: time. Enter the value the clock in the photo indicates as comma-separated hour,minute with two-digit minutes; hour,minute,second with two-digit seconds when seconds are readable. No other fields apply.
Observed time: 5,09
